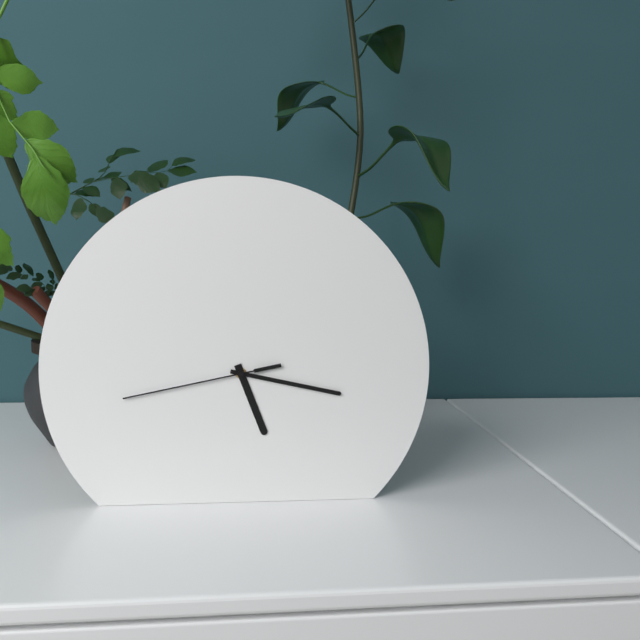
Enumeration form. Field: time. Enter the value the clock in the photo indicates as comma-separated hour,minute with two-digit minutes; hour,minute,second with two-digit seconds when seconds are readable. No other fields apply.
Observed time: 5,17,43
